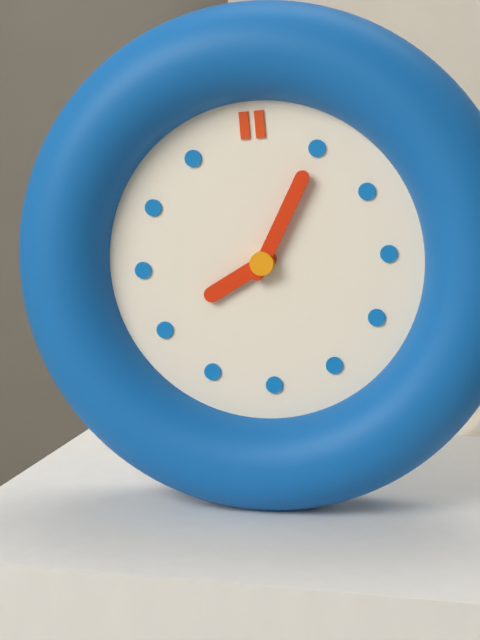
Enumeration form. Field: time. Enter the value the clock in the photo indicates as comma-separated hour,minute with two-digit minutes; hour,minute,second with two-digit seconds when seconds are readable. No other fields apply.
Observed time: 8,05
